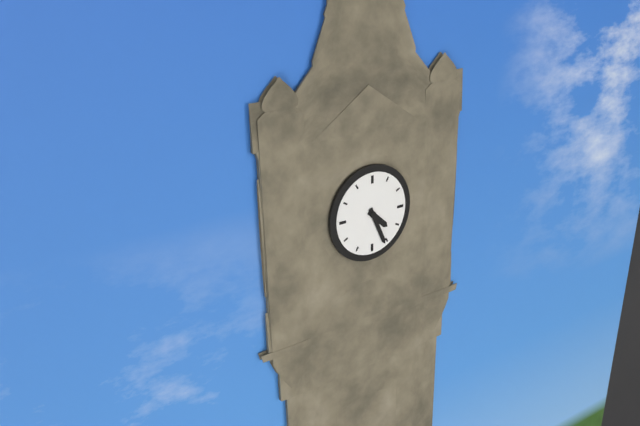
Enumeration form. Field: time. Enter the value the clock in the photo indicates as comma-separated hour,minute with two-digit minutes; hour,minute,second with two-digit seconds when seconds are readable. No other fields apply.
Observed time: 4,26
